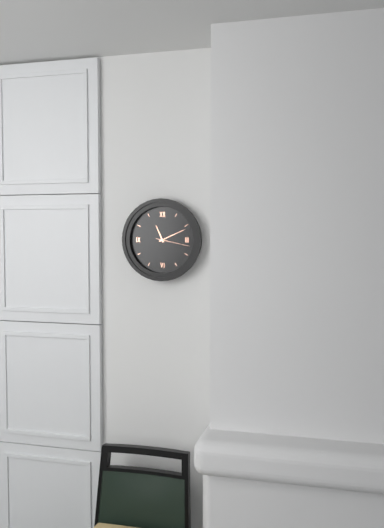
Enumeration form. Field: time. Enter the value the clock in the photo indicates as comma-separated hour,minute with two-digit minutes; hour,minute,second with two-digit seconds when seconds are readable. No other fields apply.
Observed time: 11,11
